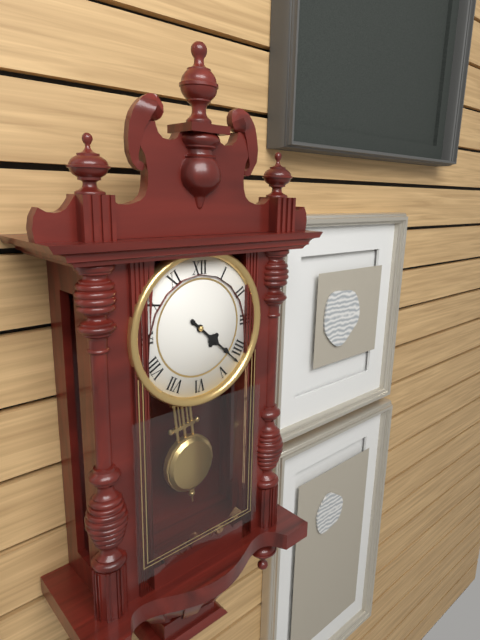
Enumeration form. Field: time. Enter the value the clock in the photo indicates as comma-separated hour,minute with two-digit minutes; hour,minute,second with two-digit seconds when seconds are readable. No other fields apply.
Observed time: 4,22
